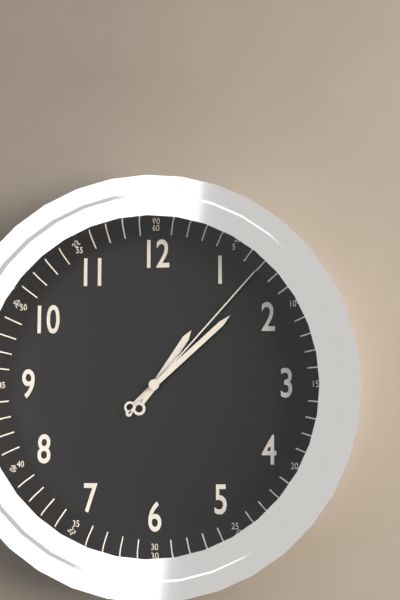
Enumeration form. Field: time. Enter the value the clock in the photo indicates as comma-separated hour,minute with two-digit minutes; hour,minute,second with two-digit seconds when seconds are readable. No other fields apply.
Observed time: 1,08,07
